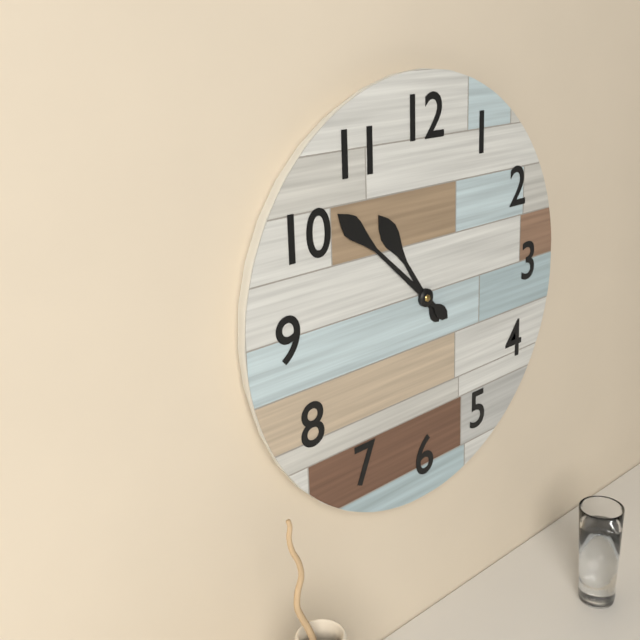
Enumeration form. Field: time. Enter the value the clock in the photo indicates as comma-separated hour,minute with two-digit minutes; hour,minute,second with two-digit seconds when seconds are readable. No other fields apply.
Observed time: 10,52
